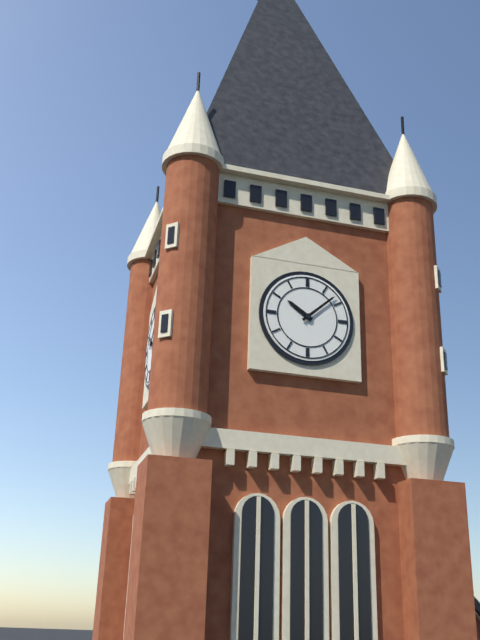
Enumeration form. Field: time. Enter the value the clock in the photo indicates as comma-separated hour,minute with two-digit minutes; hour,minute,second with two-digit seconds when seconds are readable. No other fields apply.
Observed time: 10,08
